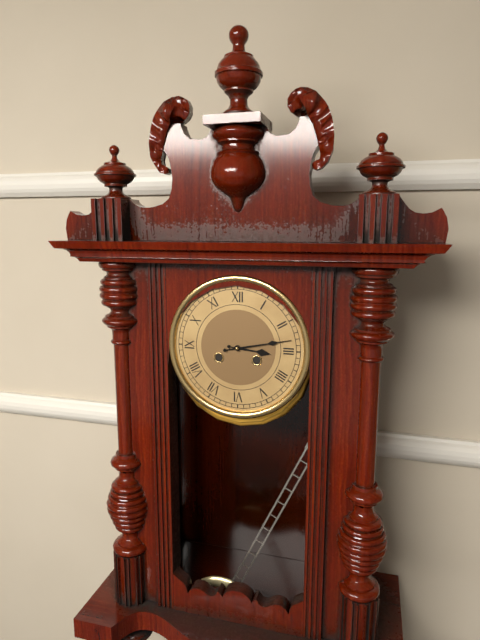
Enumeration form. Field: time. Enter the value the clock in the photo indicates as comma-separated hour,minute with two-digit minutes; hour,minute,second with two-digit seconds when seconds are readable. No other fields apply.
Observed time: 3,13
